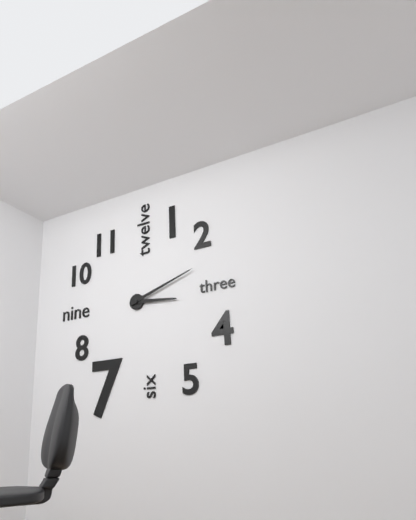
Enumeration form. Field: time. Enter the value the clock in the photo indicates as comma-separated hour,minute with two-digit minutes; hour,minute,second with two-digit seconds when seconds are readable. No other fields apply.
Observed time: 3,12
